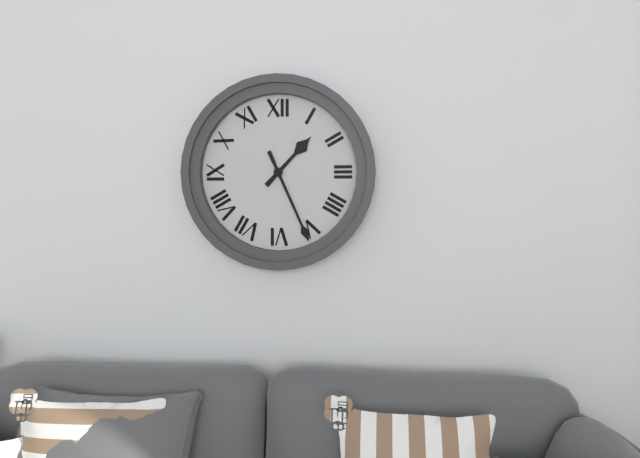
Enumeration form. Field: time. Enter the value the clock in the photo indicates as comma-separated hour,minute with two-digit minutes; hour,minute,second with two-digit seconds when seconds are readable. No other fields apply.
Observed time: 1,26
